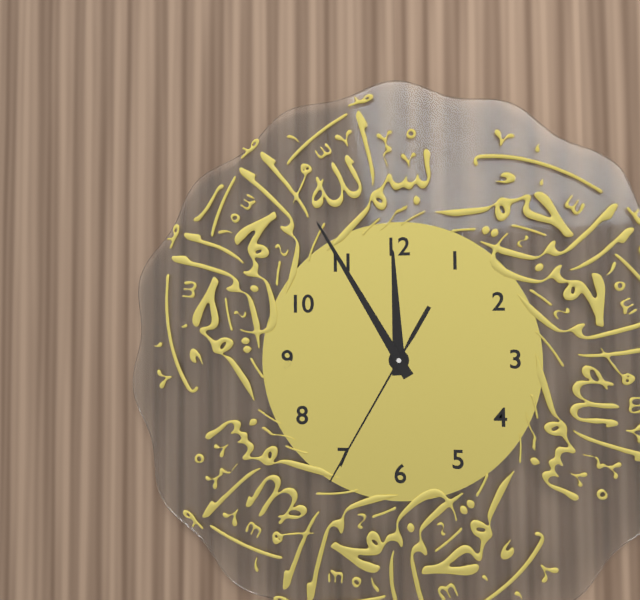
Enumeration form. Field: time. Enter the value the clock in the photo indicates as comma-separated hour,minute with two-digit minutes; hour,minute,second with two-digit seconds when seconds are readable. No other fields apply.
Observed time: 11,55,35
